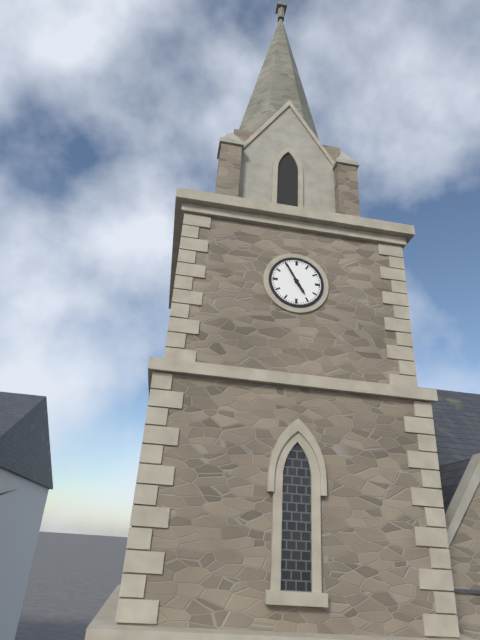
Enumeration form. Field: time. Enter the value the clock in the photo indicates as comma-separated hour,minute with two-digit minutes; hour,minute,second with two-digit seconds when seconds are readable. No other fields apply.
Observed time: 4,55
